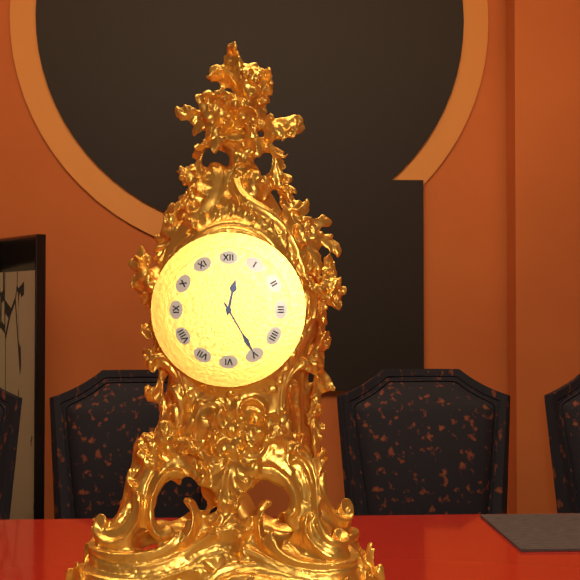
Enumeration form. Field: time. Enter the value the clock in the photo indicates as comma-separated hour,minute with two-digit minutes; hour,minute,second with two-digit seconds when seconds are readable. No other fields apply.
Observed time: 12,25
